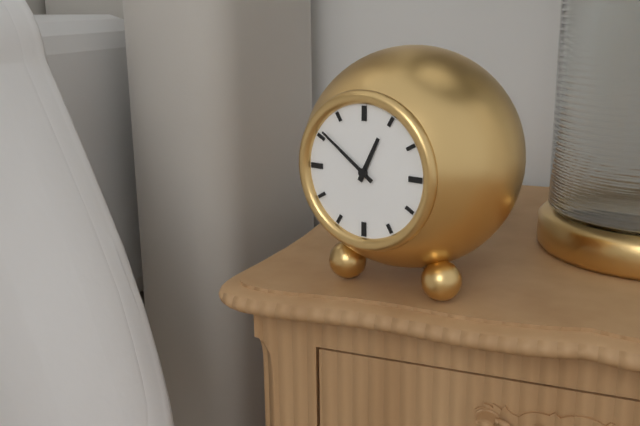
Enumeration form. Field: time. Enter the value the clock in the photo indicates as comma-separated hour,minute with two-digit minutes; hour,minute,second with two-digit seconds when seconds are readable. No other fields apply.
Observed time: 12,51
